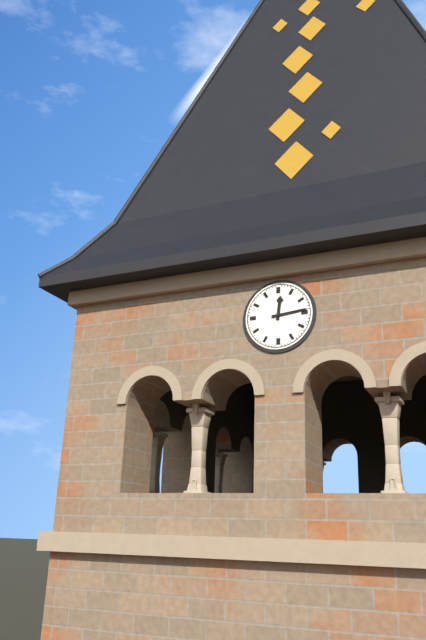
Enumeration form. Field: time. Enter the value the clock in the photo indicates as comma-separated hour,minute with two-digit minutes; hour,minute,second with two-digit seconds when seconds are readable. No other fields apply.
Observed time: 12,14
